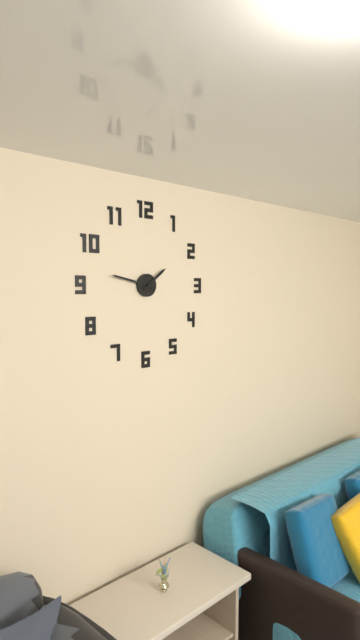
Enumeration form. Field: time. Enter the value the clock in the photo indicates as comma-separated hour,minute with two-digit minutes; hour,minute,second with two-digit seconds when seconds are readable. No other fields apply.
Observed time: 1,47
